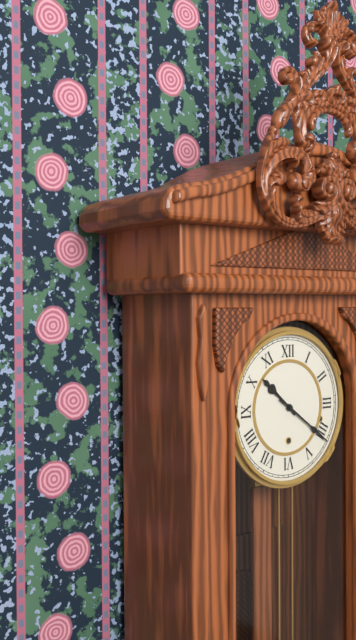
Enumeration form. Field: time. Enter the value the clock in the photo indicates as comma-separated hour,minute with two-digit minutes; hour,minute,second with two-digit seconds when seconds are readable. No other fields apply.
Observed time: 10,21
